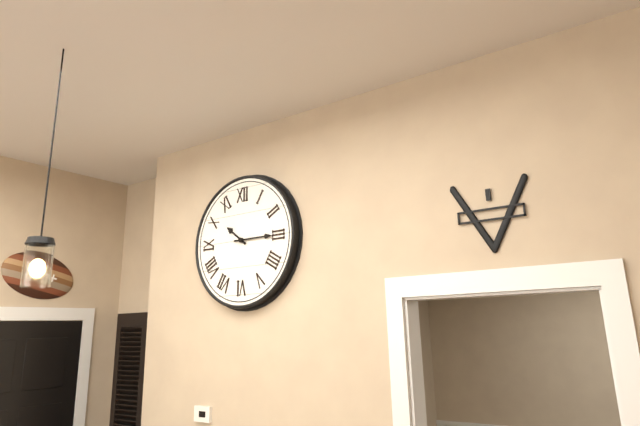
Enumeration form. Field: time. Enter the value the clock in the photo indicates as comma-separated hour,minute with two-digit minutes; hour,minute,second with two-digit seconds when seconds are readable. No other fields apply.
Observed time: 10,15
